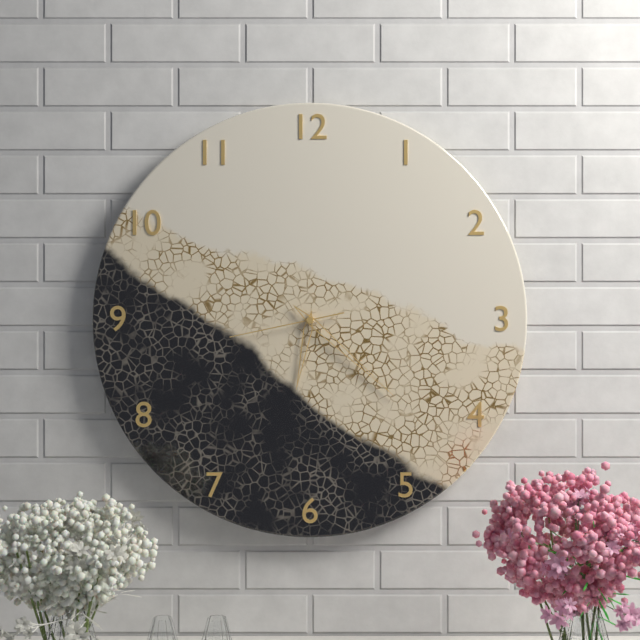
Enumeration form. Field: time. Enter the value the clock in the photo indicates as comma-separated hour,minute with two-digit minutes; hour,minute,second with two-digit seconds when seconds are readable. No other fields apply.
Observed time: 6,22,43
